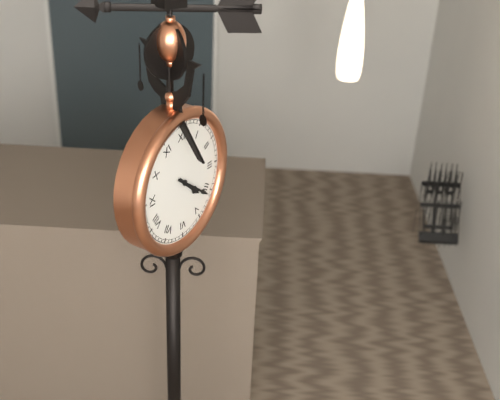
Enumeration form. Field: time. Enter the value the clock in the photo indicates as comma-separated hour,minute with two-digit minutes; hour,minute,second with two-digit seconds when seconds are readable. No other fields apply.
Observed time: 4,21
